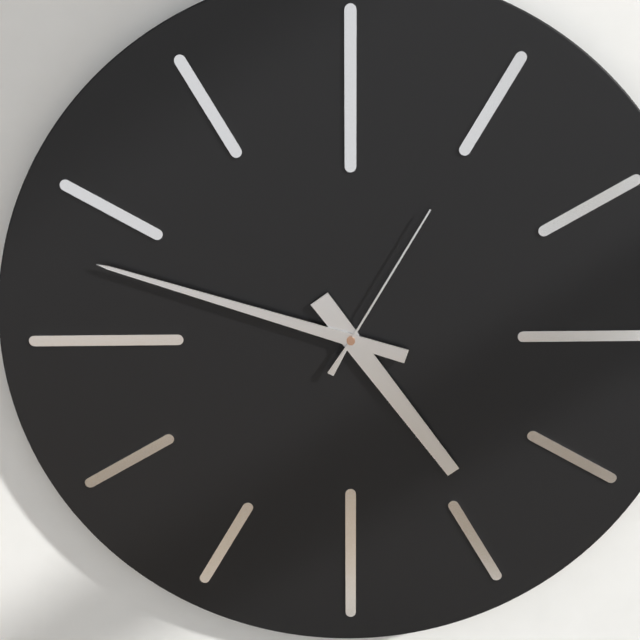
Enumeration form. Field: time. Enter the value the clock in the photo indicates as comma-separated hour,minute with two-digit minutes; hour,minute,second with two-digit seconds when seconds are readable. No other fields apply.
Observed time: 4,48,05
